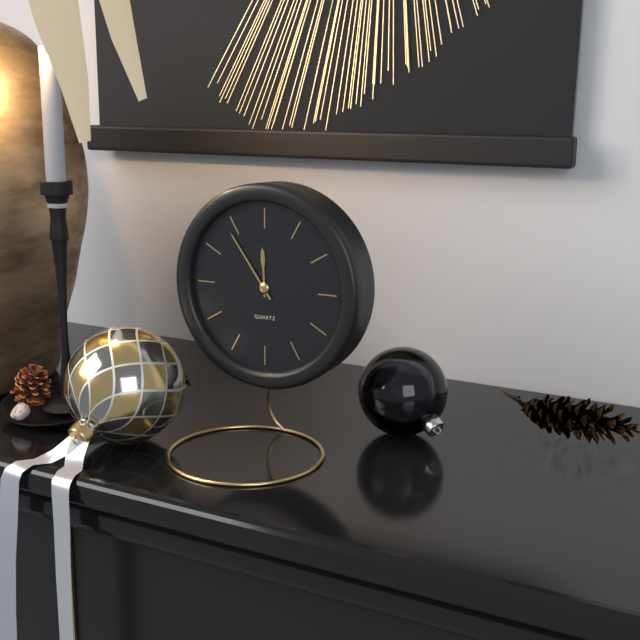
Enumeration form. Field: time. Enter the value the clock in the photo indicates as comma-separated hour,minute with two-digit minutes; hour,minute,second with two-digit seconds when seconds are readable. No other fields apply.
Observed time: 11,54
